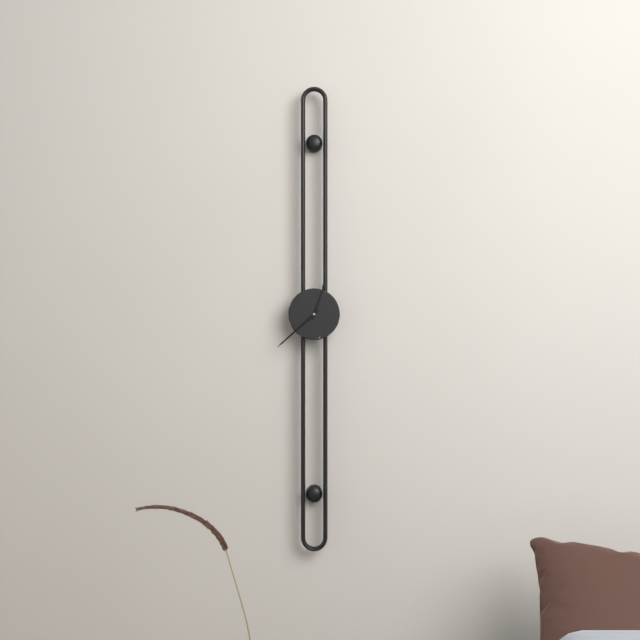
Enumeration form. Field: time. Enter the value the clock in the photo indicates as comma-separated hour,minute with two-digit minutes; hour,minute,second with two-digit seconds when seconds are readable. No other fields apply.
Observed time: 12,38
